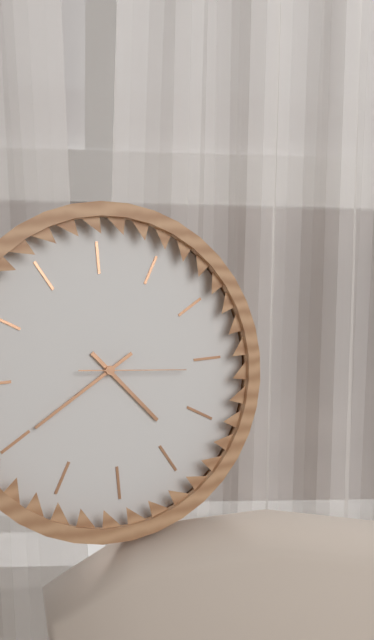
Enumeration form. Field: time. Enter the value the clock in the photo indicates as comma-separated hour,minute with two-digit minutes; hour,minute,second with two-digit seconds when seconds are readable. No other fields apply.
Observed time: 4,40,16
